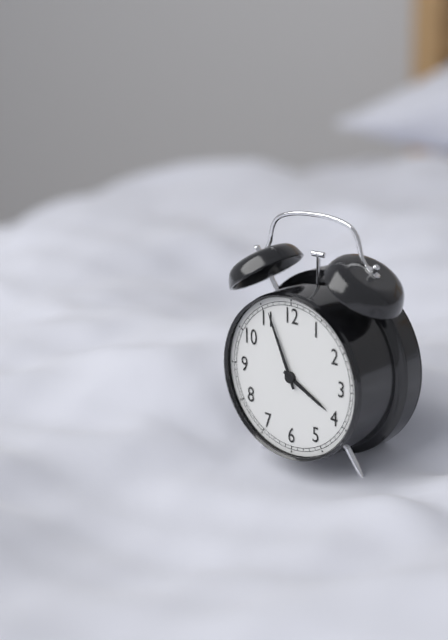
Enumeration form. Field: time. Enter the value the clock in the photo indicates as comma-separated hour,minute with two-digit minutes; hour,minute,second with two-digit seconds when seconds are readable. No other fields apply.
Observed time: 3,56
